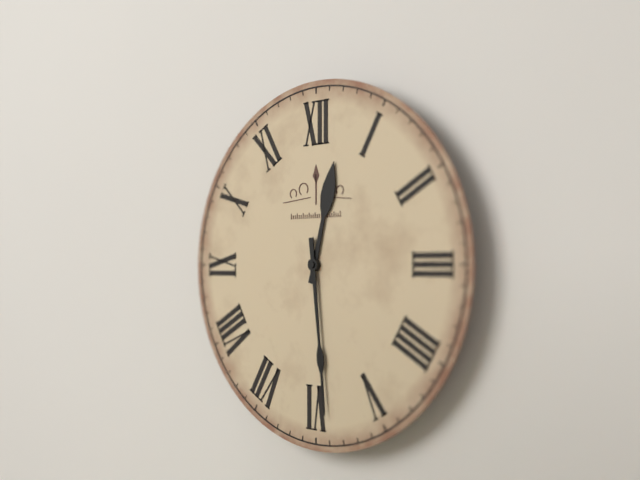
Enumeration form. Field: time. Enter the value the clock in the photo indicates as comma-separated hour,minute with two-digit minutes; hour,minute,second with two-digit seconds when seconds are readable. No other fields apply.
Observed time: 12,29
